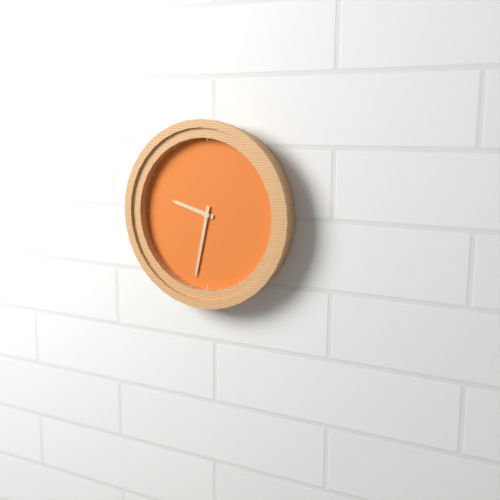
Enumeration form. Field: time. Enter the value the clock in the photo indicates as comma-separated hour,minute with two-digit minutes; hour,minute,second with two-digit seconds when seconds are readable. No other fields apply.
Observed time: 9,32
